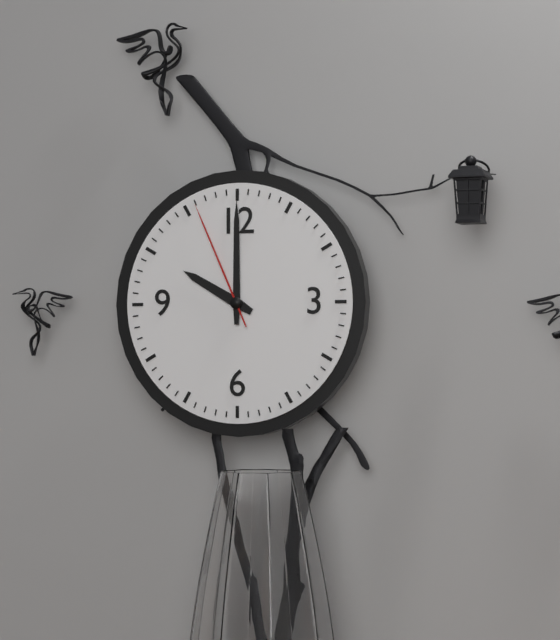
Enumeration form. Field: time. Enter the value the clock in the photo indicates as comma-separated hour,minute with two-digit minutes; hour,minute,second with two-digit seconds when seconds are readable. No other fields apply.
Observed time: 10,00,56
